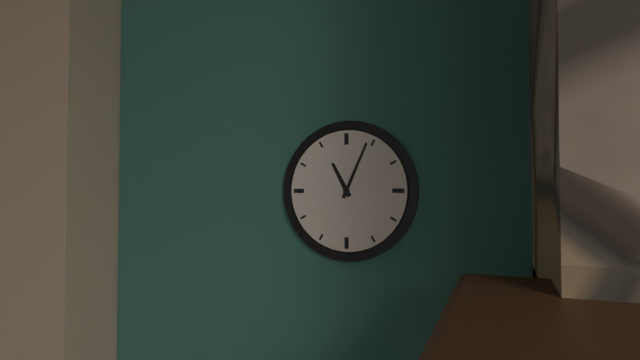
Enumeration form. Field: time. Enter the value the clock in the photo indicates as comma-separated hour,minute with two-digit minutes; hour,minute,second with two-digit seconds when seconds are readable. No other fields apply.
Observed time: 11,04
